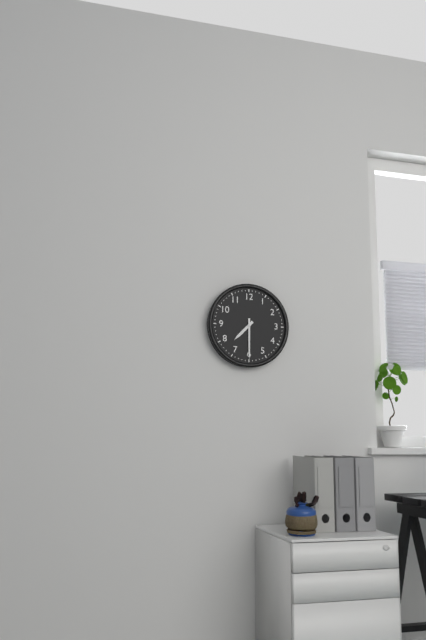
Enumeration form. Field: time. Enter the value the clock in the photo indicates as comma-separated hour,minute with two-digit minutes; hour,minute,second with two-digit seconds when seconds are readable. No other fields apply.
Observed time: 7,30
